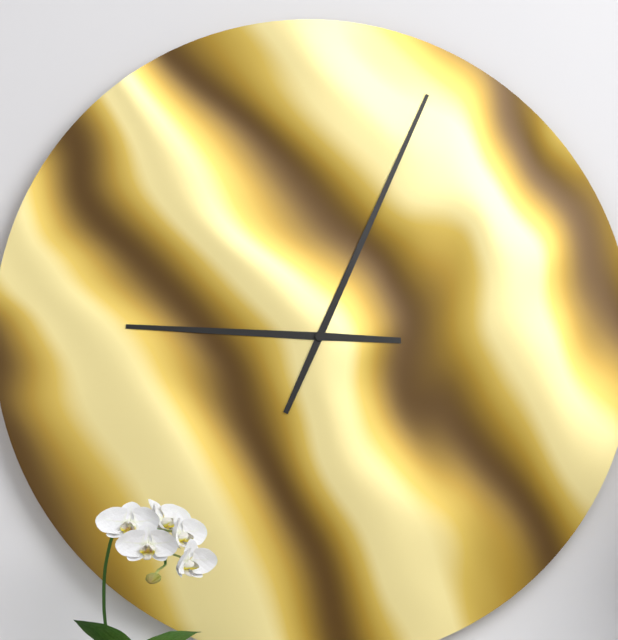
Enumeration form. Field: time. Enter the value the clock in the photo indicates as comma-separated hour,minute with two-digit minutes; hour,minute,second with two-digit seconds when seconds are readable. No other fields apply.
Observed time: 9,04
